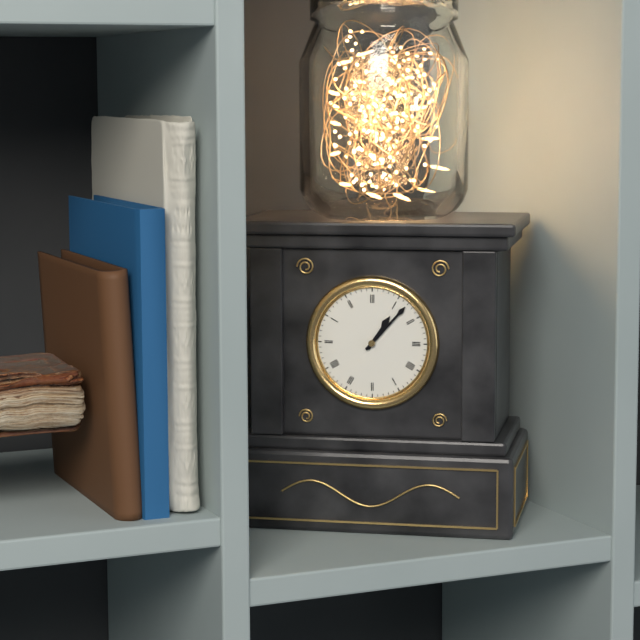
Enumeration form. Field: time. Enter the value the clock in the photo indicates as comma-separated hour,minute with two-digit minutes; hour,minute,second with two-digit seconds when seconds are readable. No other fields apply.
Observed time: 1,07
